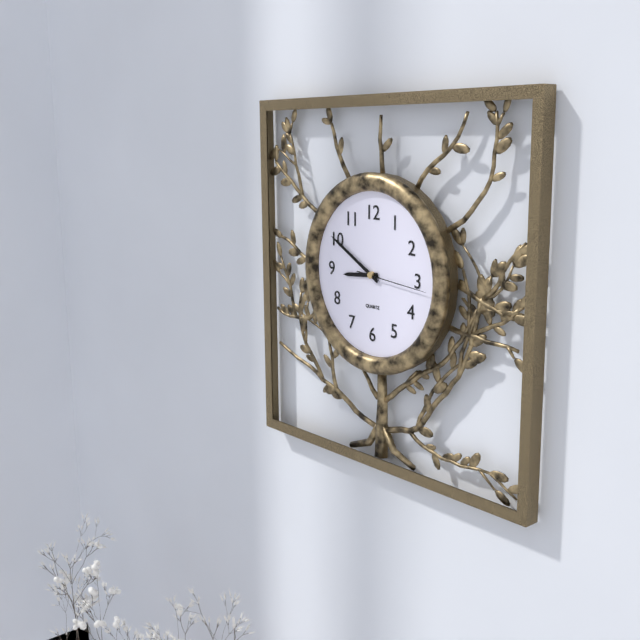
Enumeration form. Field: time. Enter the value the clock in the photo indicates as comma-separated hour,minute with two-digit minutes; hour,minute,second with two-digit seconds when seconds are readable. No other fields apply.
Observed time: 8,50,16
